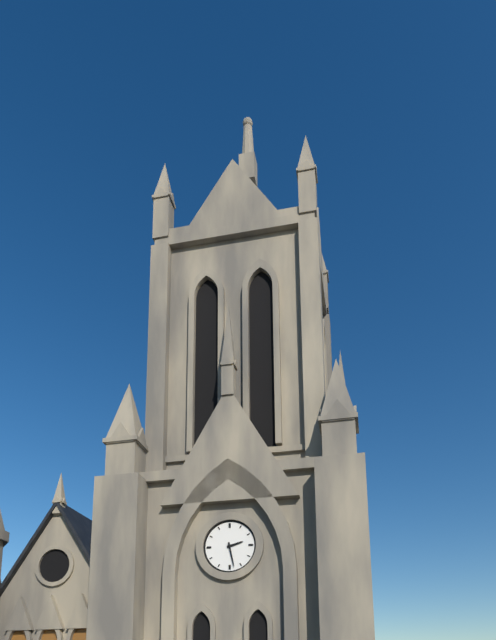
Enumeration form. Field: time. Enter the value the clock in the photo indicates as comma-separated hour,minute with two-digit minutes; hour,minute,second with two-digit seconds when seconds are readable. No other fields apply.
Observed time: 2,28
